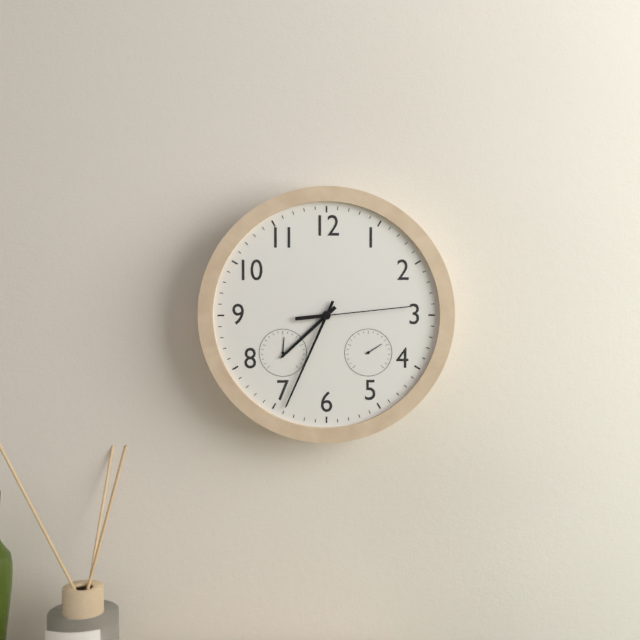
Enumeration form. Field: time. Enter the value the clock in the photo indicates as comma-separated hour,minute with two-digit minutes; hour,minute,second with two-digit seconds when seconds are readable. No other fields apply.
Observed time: 7,34,14
